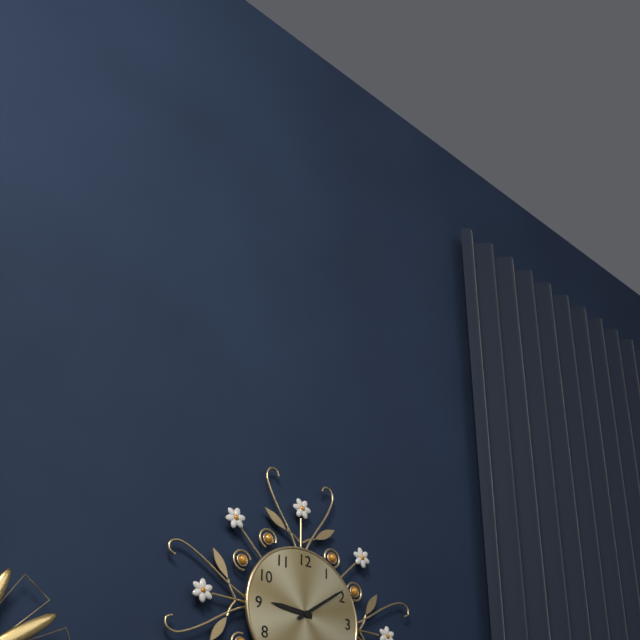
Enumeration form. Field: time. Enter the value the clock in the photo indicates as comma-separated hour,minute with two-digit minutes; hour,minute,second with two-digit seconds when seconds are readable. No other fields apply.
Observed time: 9,09
